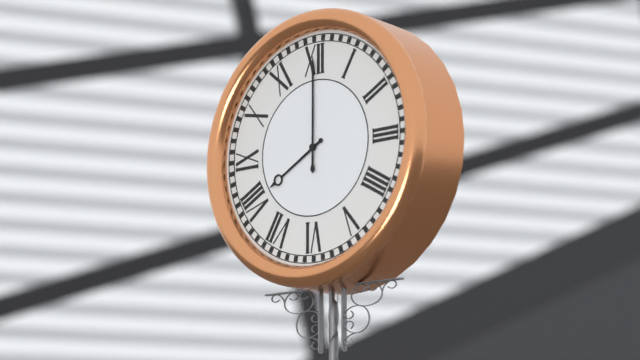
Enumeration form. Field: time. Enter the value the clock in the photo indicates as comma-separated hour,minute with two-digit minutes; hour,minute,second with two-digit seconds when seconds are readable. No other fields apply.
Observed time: 8,00
